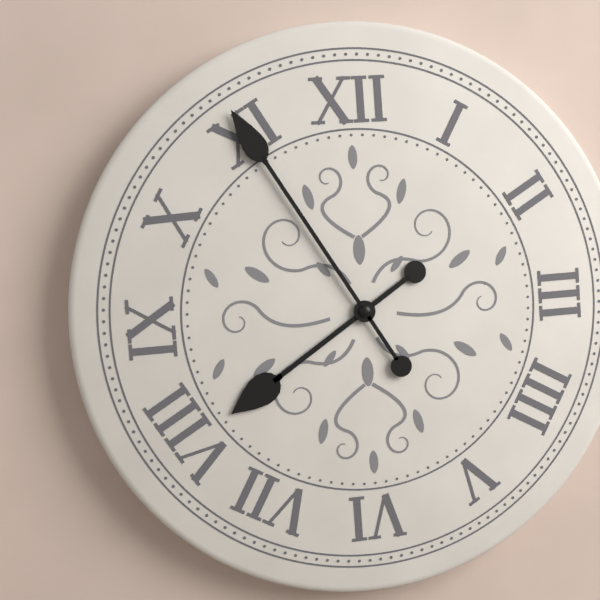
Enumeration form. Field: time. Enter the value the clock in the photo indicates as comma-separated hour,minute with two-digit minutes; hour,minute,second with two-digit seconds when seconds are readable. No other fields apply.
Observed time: 7,55
